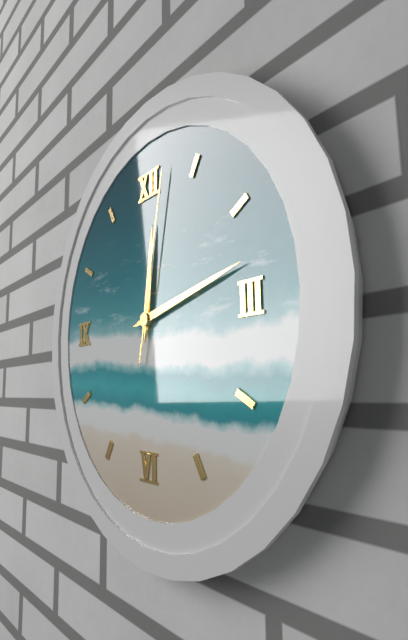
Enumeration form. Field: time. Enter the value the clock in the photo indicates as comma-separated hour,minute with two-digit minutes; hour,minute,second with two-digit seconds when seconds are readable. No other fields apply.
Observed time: 12,13,02
